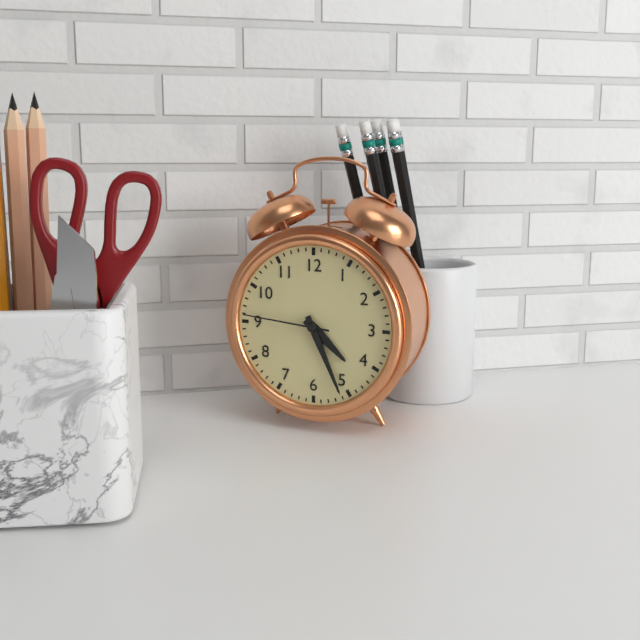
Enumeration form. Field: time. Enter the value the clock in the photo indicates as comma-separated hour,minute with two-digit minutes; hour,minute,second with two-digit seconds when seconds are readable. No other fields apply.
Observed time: 4,26,46
